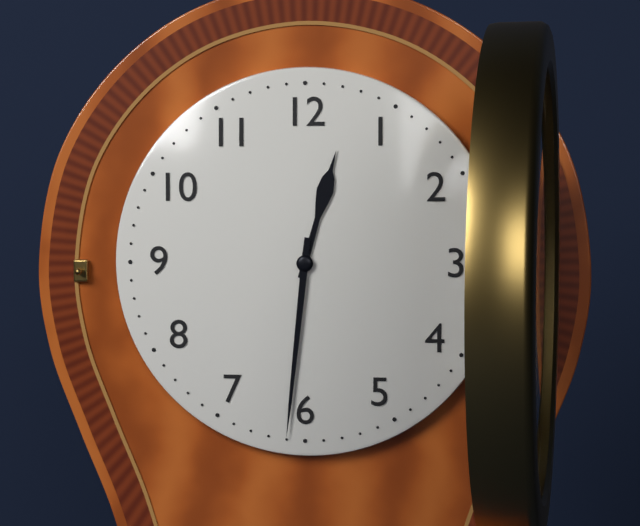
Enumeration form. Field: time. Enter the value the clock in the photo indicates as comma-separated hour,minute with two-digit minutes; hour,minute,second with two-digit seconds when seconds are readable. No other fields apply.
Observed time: 12,31
